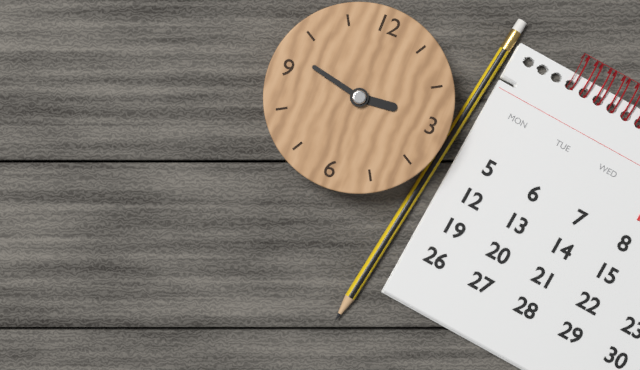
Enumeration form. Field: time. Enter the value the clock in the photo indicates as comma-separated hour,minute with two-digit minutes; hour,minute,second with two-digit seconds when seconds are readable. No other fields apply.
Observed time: 2,47
